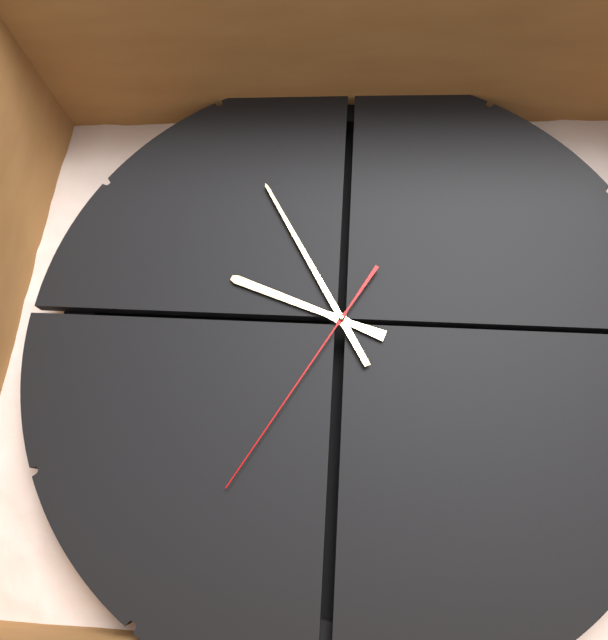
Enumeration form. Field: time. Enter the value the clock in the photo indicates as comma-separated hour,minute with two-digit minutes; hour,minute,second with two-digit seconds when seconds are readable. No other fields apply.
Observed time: 6,40,20
